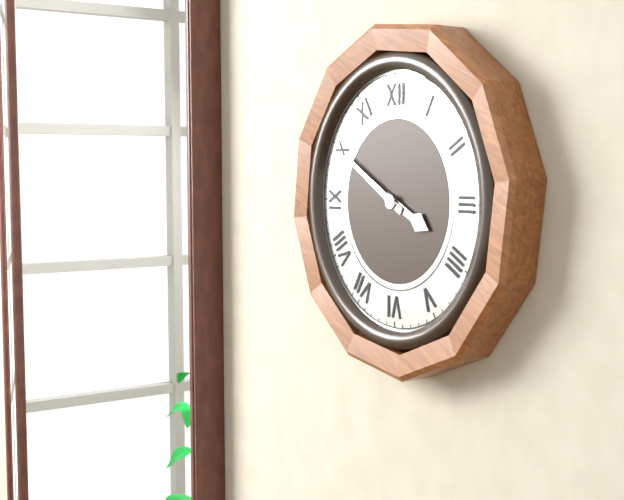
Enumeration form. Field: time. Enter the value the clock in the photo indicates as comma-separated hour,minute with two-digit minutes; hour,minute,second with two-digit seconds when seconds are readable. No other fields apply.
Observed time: 3,50
